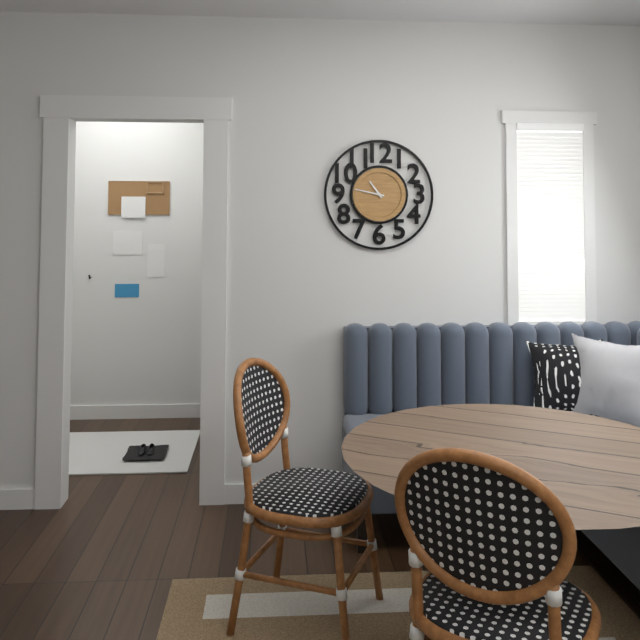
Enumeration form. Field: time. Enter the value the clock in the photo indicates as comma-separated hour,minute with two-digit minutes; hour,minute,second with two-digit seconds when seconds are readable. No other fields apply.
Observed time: 10,47
